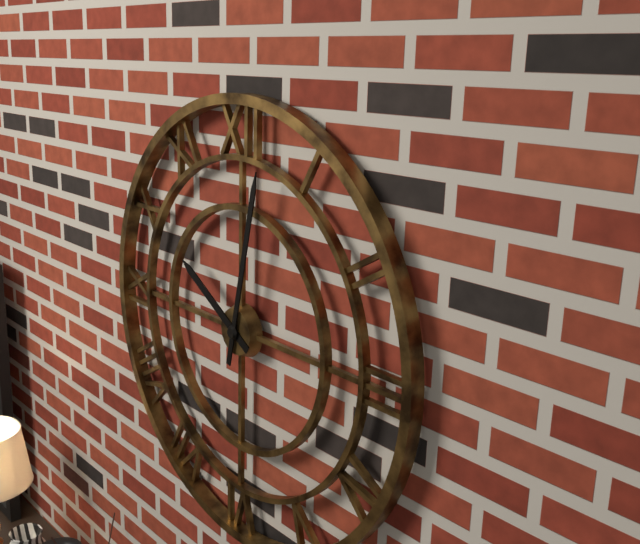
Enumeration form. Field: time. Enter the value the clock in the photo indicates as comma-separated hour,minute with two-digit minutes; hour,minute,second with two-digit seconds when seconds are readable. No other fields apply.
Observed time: 10,02
